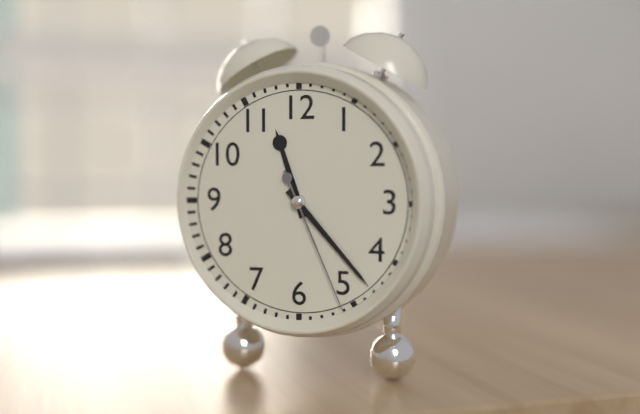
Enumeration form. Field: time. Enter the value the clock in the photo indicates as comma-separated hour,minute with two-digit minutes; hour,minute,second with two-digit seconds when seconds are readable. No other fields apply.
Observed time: 11,23,26
